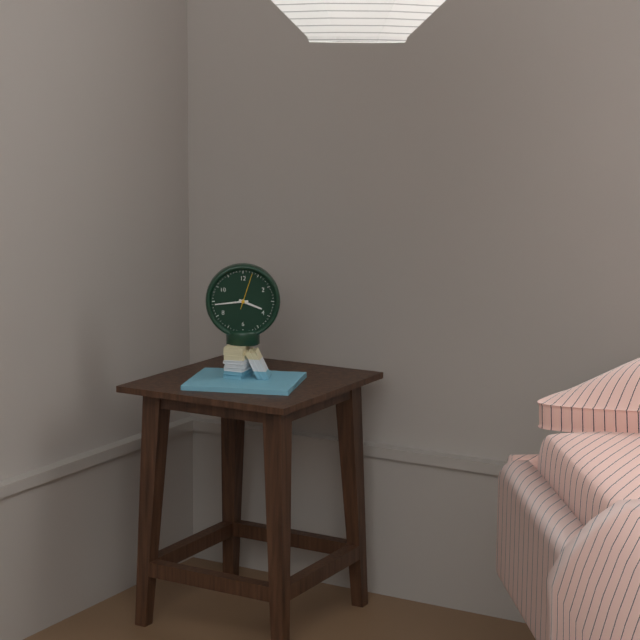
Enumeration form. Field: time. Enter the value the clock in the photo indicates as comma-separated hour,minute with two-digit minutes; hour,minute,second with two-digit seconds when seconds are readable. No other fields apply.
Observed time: 3,44
